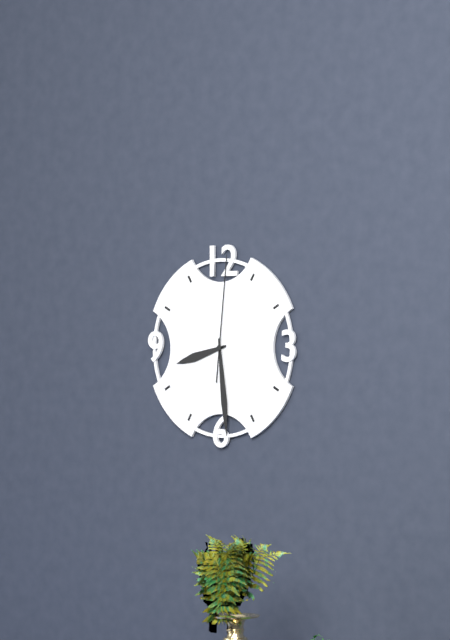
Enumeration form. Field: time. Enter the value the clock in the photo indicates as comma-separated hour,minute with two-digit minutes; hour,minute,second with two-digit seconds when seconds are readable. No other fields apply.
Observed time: 8,29,01
